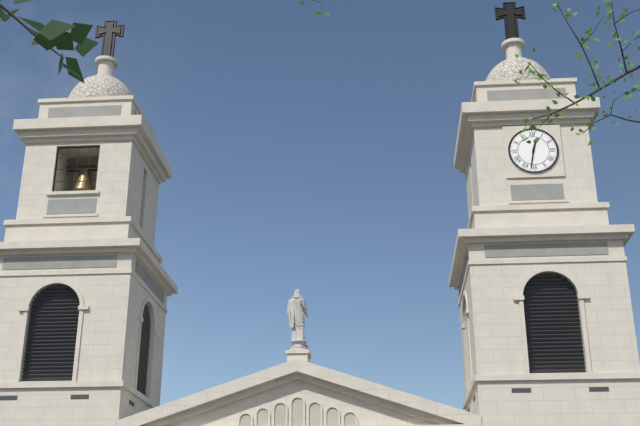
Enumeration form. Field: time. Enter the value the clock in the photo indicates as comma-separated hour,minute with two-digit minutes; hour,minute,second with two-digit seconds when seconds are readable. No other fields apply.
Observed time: 12,32
